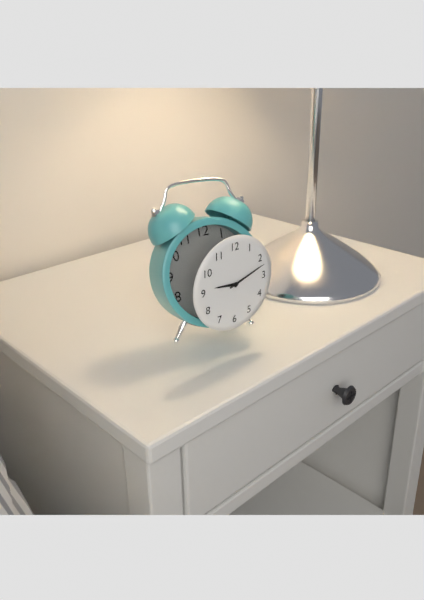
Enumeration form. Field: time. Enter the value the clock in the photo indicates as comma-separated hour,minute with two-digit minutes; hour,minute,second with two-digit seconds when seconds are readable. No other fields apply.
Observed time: 9,12
